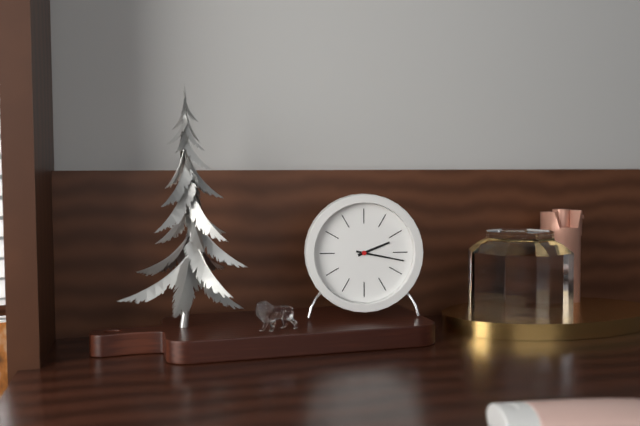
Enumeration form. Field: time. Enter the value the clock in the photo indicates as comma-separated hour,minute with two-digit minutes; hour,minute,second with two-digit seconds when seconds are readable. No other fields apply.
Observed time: 2,17
